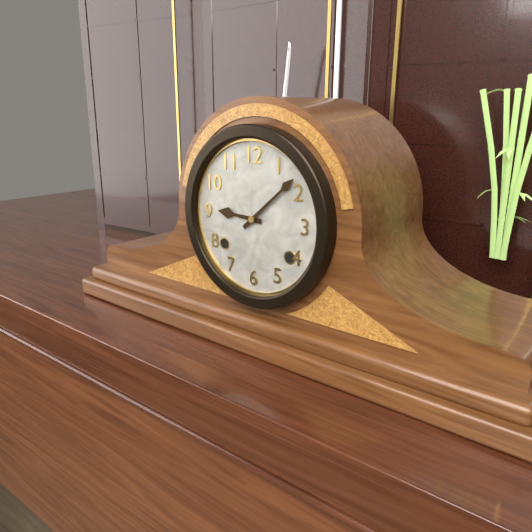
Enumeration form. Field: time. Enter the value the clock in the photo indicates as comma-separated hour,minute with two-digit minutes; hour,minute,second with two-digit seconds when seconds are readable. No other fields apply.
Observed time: 9,08
